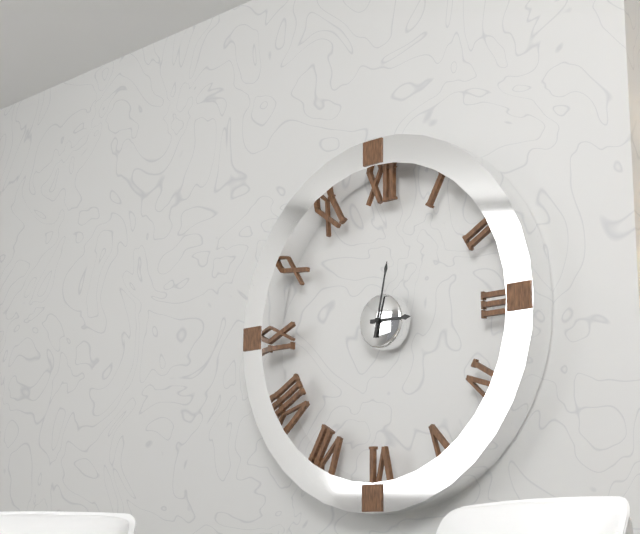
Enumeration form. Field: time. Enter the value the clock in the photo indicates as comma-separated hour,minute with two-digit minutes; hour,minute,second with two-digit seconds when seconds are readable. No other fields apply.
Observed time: 3,02
